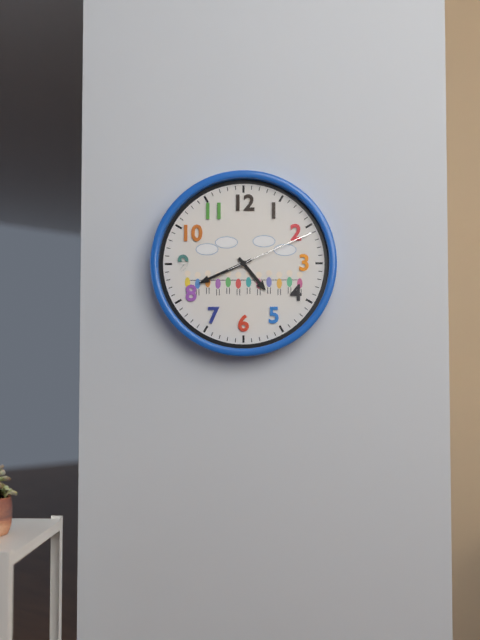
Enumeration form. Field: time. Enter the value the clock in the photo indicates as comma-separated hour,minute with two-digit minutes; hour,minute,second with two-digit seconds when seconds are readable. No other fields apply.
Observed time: 4,41,11
